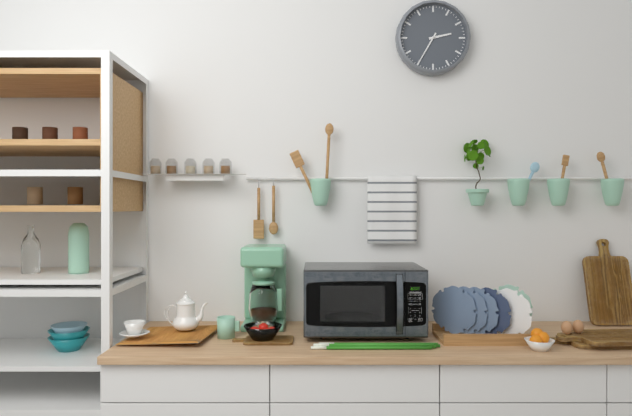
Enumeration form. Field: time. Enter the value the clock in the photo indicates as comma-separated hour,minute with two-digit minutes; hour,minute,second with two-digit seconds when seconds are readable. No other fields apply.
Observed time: 2,35
